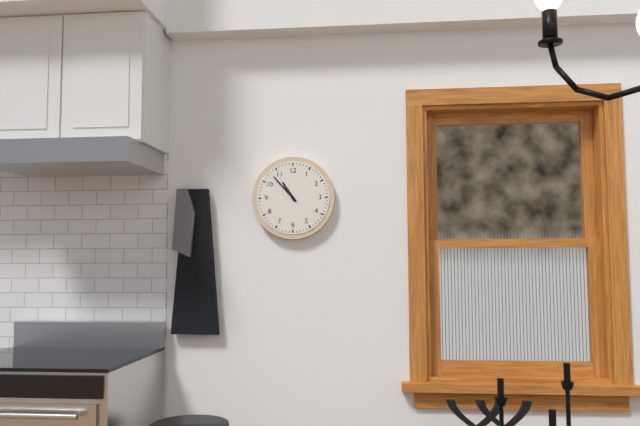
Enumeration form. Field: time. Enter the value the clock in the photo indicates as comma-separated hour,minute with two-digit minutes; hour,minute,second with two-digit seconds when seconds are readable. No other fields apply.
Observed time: 10,53
